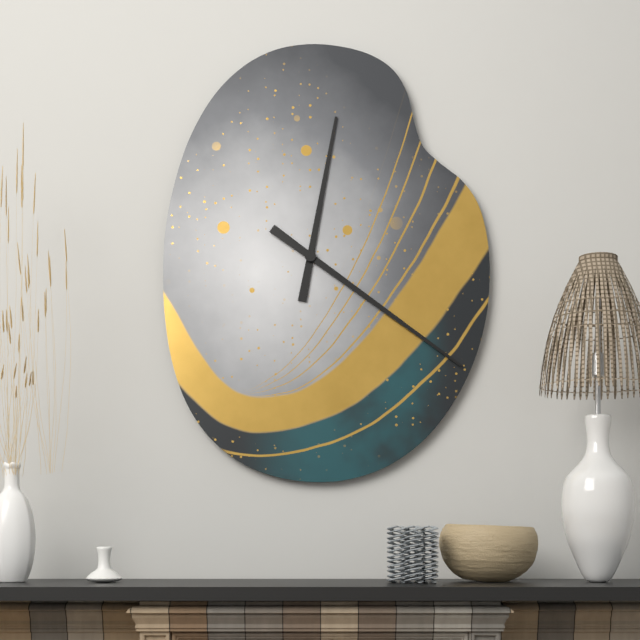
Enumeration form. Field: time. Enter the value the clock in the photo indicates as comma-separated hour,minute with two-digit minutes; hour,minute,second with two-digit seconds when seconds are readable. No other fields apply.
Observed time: 12,21
